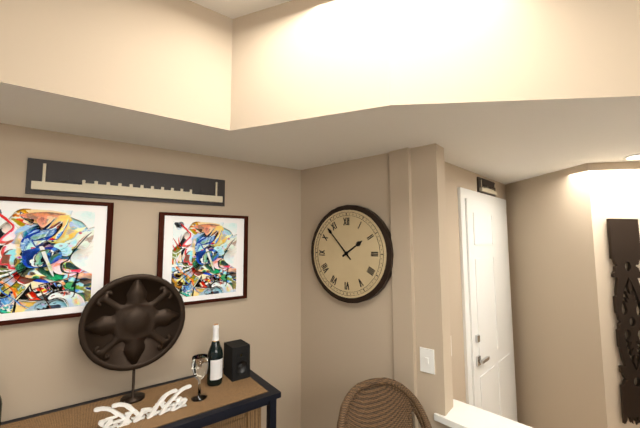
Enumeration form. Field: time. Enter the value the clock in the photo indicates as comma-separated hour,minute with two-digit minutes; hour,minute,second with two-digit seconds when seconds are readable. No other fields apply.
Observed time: 1,53
